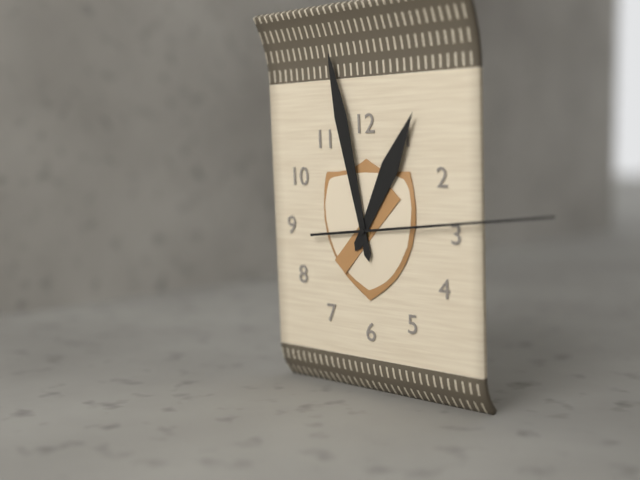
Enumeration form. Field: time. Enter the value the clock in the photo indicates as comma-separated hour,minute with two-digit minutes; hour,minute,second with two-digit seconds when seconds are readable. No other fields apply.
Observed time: 12,58,14
